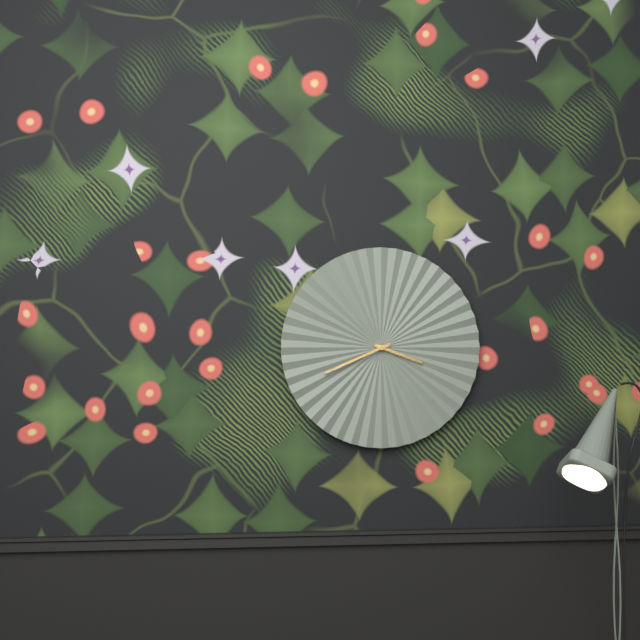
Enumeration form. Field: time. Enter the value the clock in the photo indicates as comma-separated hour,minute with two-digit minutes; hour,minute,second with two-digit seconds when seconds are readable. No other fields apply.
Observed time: 3,41
